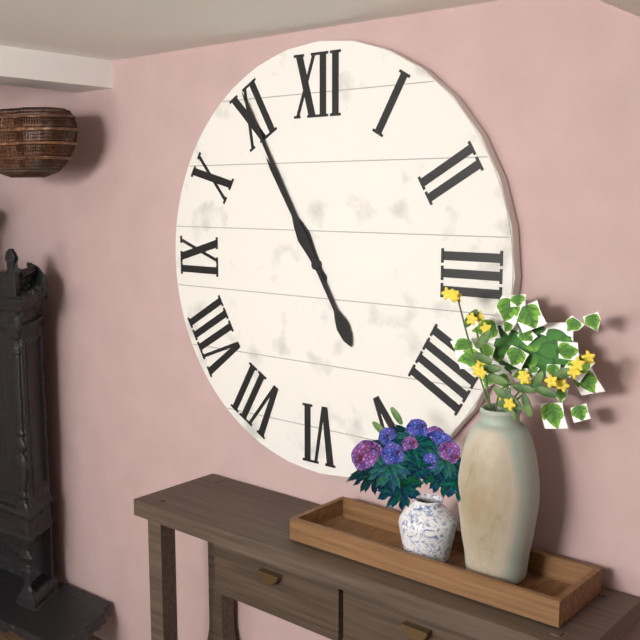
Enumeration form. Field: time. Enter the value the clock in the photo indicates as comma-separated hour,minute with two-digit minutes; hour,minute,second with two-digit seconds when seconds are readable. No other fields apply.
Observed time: 10,55
